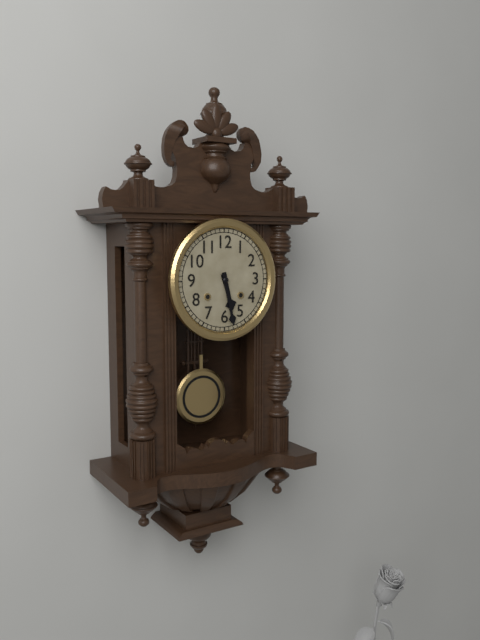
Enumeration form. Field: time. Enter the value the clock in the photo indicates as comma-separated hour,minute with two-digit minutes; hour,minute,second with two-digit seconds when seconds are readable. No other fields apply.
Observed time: 5,28
